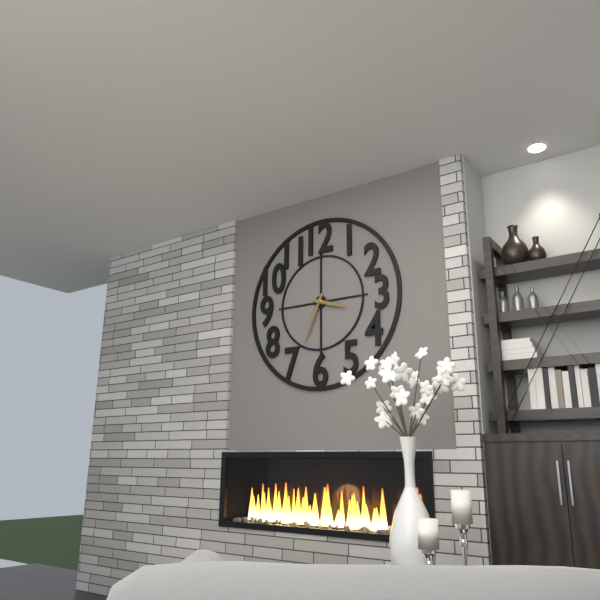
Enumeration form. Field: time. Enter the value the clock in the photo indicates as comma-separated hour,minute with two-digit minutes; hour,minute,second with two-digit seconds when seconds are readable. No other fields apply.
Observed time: 3,34
